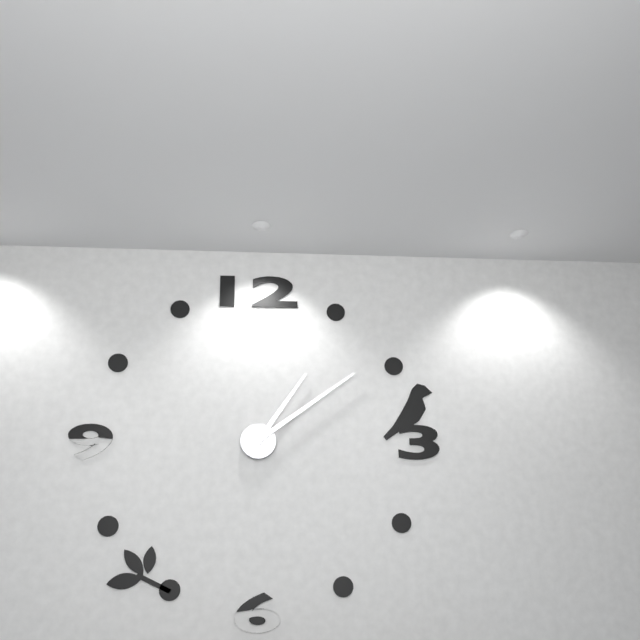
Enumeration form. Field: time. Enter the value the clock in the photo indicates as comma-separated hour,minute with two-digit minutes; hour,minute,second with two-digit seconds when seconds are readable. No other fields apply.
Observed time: 1,09
